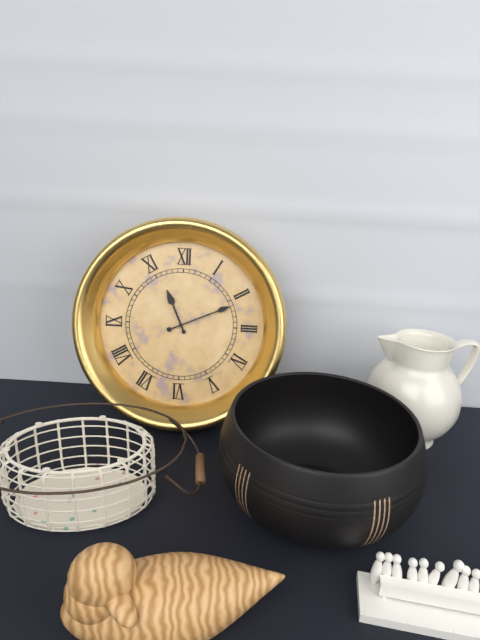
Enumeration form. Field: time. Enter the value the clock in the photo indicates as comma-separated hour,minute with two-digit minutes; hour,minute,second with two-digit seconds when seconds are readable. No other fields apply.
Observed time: 11,11
